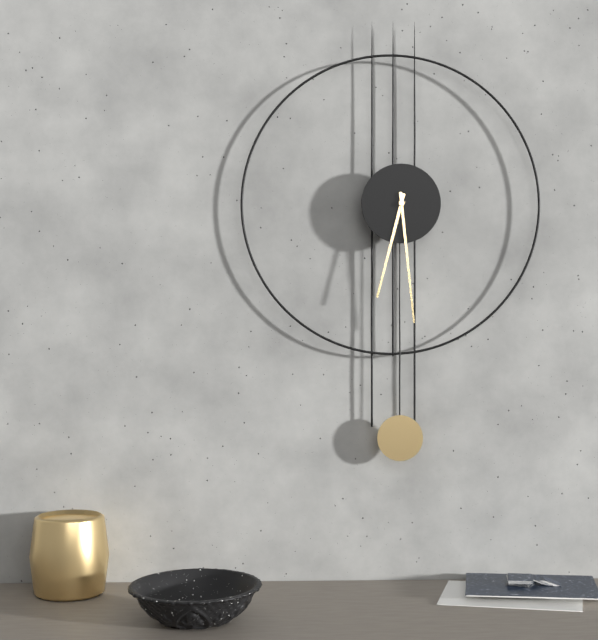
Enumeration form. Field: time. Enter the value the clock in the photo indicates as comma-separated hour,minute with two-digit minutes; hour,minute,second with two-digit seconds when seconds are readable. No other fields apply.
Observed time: 6,29
